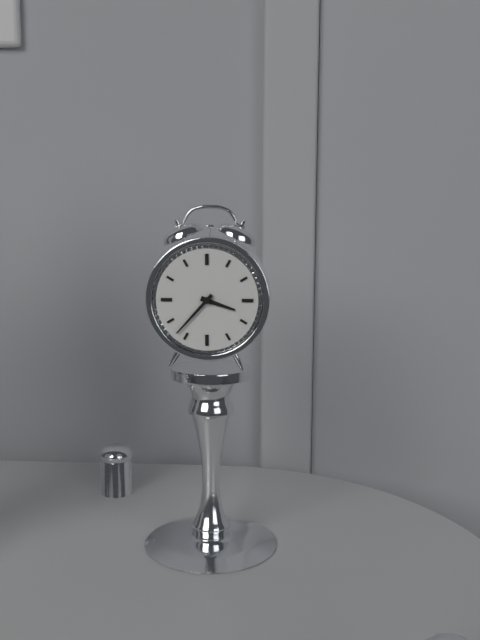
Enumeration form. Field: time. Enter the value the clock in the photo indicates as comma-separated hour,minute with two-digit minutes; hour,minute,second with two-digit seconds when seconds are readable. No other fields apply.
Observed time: 3,37
